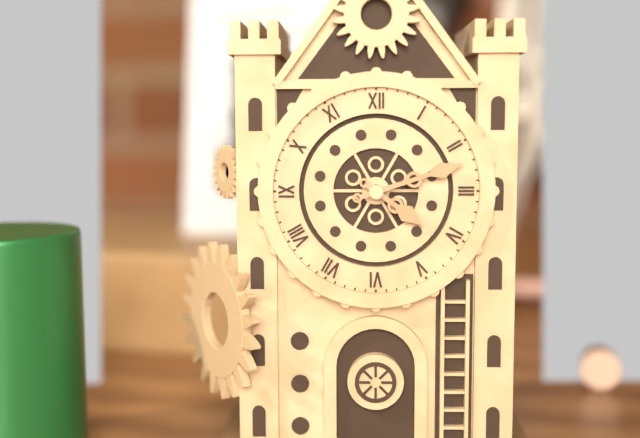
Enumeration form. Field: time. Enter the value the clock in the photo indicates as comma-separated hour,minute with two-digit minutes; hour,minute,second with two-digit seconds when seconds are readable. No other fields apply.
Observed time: 4,12
